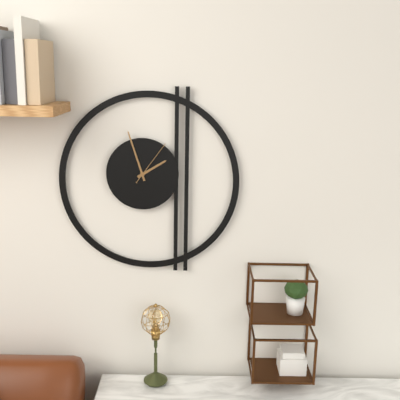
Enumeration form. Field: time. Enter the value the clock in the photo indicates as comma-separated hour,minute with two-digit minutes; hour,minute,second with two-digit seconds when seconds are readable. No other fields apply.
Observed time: 1,57
